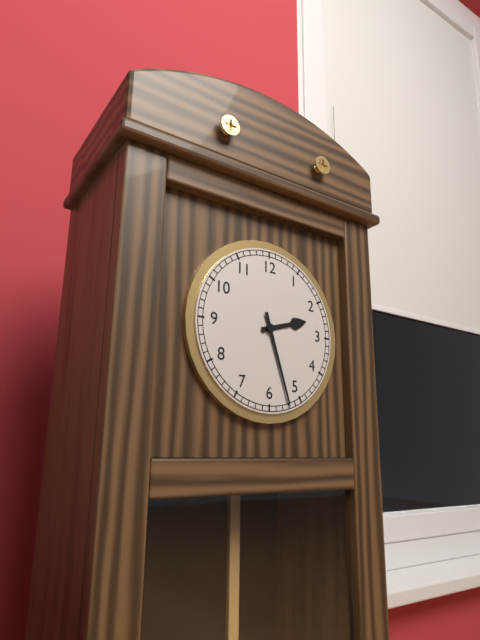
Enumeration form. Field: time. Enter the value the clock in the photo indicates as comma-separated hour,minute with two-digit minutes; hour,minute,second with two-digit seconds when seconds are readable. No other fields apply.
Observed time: 2,27
